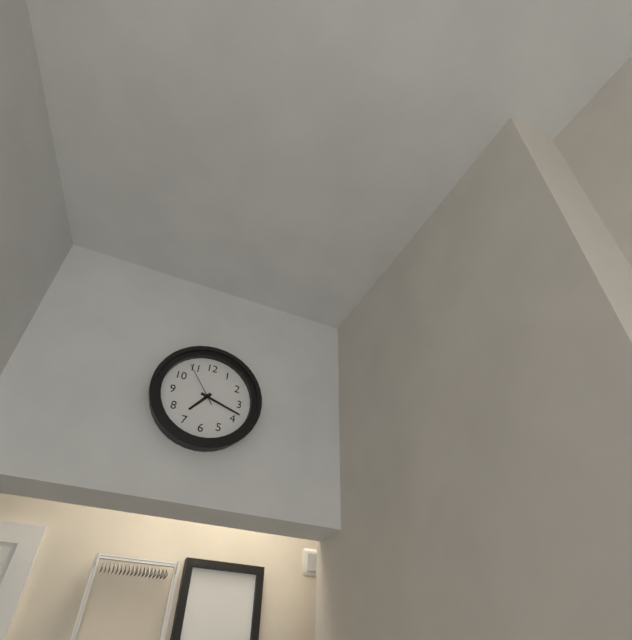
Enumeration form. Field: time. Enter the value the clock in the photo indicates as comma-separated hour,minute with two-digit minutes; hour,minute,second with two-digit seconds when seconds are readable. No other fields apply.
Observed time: 7,18
